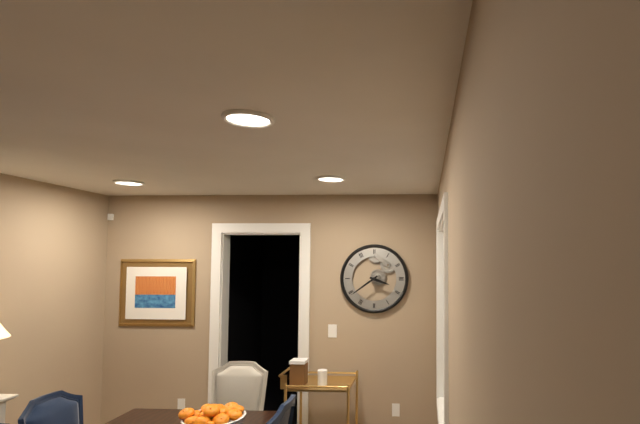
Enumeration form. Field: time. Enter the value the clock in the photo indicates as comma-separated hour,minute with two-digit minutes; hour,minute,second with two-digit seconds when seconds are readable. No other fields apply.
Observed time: 3,39
